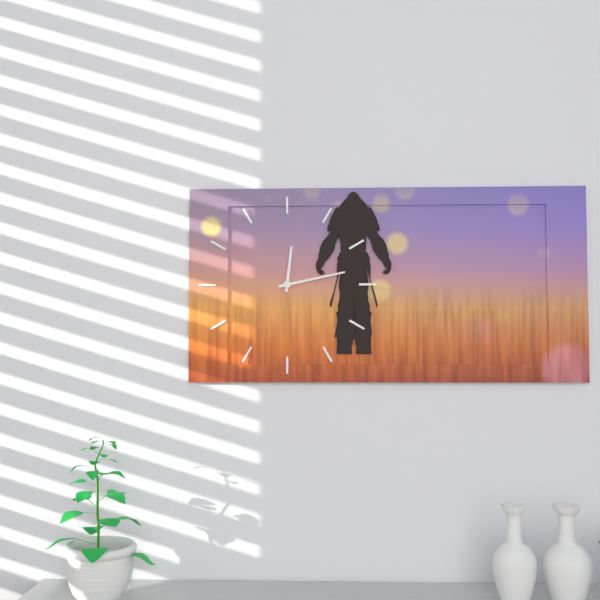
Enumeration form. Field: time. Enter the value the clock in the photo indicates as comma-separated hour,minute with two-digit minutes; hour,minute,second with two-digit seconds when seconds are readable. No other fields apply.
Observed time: 12,13
